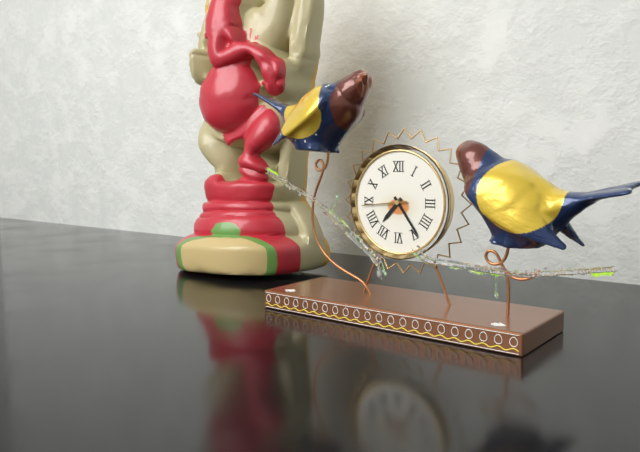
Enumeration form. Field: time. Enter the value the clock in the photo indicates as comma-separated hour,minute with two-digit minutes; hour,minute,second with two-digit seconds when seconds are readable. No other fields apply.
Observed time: 7,24
